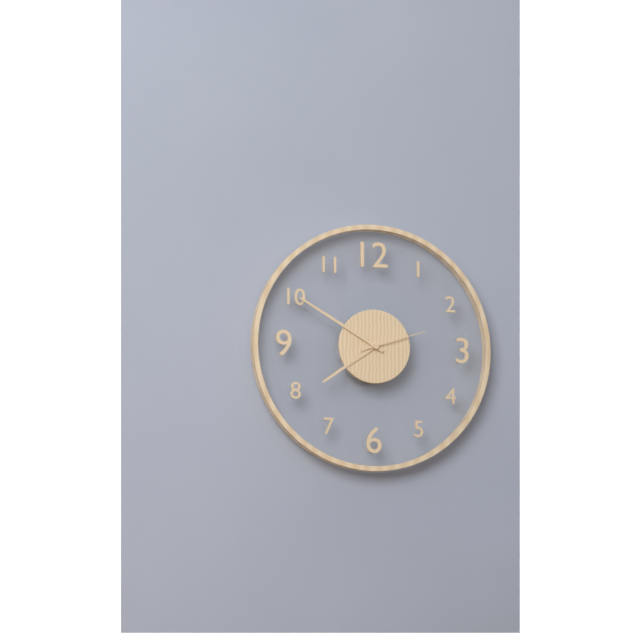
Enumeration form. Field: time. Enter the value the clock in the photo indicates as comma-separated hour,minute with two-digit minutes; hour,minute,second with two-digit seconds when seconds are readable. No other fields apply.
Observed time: 7,50,12
